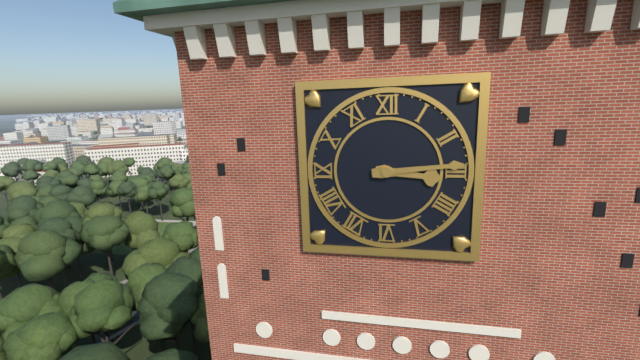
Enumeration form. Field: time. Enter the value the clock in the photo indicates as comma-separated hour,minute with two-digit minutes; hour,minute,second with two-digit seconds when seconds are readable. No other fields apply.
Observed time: 3,14
